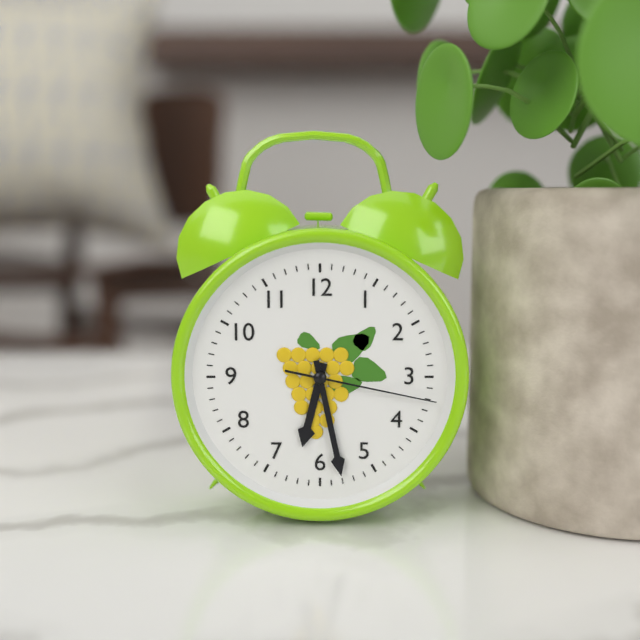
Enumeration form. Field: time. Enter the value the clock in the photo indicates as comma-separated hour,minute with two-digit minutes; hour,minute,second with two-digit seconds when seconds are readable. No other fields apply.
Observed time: 6,28,17
